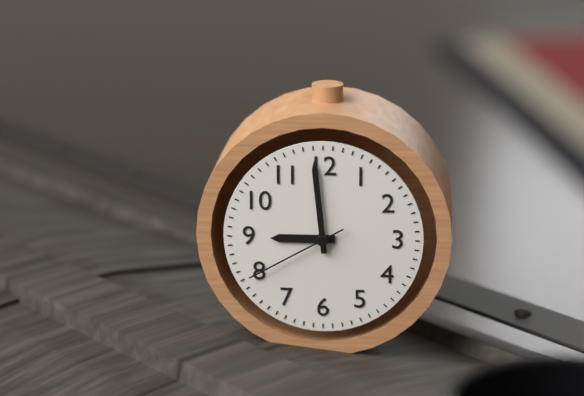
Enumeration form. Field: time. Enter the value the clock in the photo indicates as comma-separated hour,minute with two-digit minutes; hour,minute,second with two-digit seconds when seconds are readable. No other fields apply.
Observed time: 8,59,40
